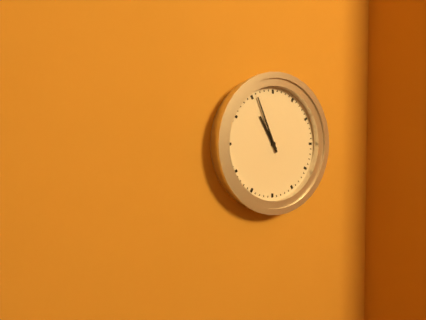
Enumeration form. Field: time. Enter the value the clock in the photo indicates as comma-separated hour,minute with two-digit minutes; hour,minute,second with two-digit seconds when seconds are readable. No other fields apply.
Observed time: 10,56
